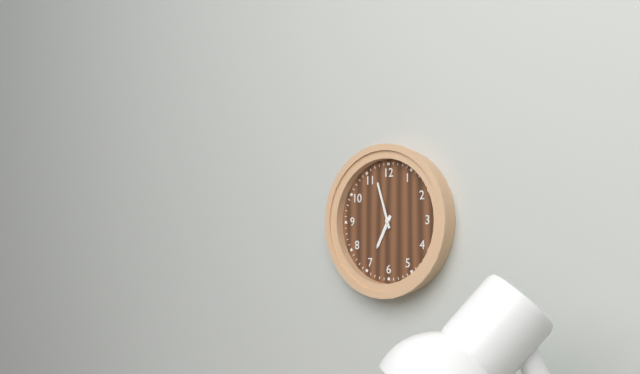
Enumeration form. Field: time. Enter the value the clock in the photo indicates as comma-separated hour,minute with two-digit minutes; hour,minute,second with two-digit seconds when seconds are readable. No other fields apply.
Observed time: 6,57
